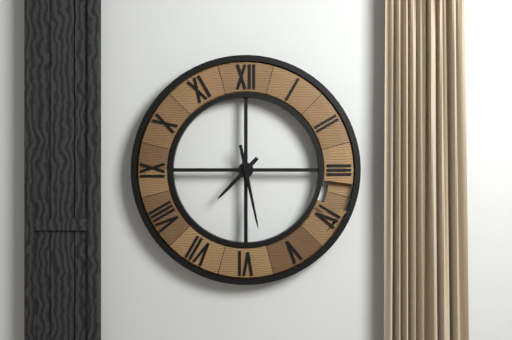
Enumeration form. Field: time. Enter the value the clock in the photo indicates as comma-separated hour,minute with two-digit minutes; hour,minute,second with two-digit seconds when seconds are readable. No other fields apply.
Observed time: 7,28
